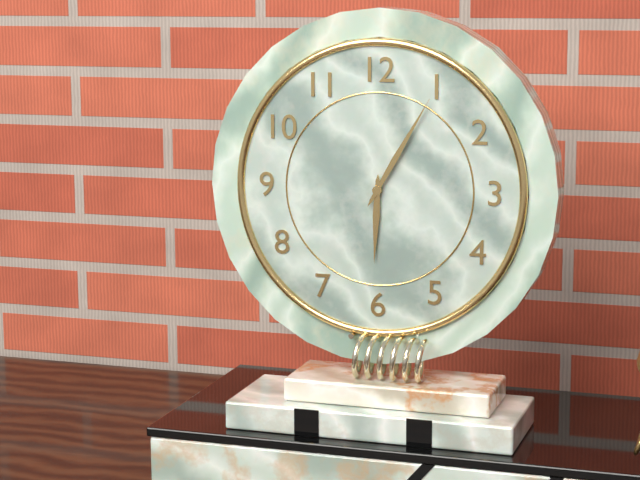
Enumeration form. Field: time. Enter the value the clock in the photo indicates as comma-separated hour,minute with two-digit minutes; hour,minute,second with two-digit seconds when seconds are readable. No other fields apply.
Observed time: 6,05
